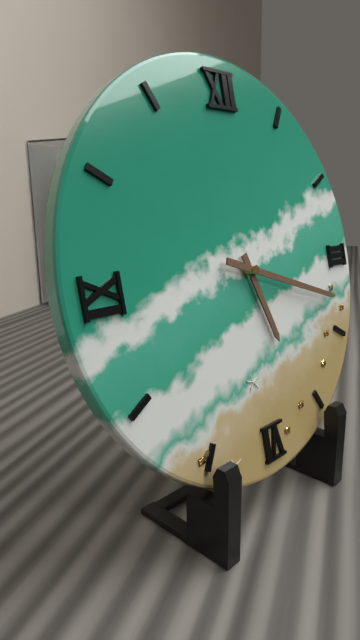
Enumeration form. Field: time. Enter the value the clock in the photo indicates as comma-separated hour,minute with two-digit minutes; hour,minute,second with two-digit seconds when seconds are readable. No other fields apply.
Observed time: 5,18
